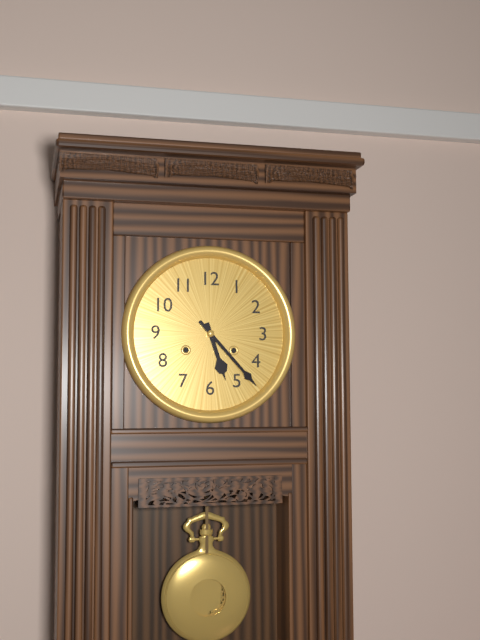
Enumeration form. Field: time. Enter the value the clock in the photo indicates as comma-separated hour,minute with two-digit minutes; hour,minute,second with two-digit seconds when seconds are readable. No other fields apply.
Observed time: 5,23
